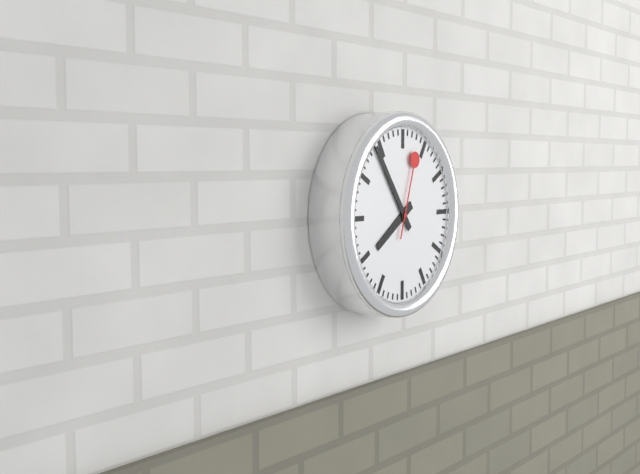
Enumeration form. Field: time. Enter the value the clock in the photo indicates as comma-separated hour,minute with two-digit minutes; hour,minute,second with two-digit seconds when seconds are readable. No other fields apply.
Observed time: 7,54,03
